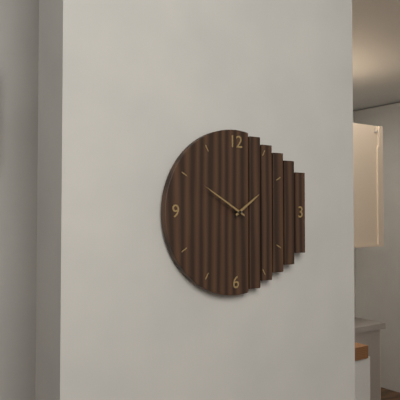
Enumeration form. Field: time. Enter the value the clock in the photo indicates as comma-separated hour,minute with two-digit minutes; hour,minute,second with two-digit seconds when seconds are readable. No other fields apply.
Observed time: 1,50
